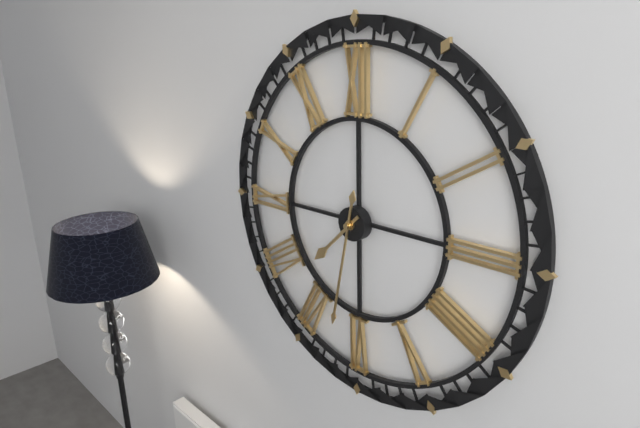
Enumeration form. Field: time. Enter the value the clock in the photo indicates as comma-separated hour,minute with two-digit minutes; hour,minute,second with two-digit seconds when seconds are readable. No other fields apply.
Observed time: 7,32
